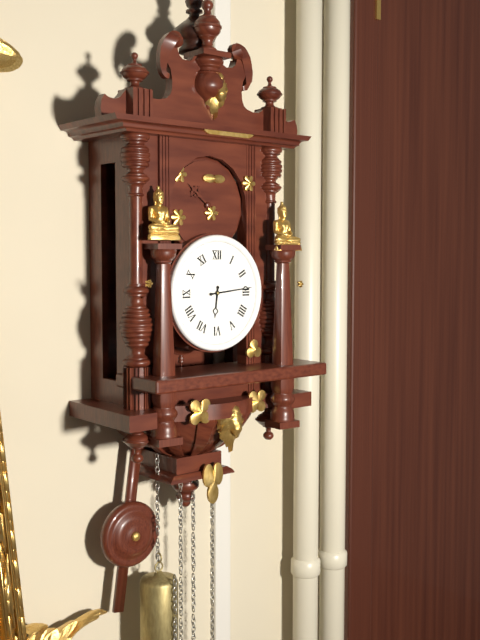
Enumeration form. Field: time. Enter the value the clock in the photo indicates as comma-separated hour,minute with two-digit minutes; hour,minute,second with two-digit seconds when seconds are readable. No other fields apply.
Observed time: 6,14
